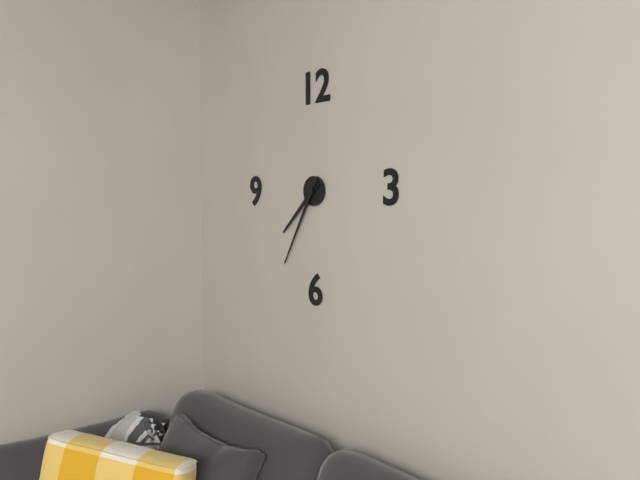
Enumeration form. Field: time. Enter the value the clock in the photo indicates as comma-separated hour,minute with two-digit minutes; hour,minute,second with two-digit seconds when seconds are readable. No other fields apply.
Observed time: 7,35
